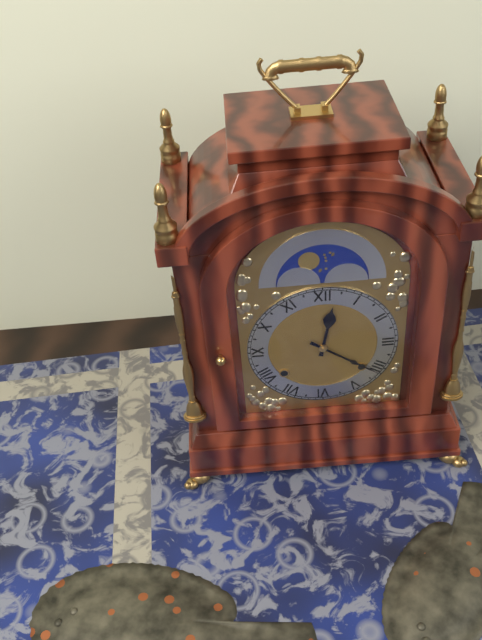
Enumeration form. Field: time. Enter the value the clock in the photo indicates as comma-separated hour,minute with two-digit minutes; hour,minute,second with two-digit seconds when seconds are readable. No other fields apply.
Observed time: 12,21
